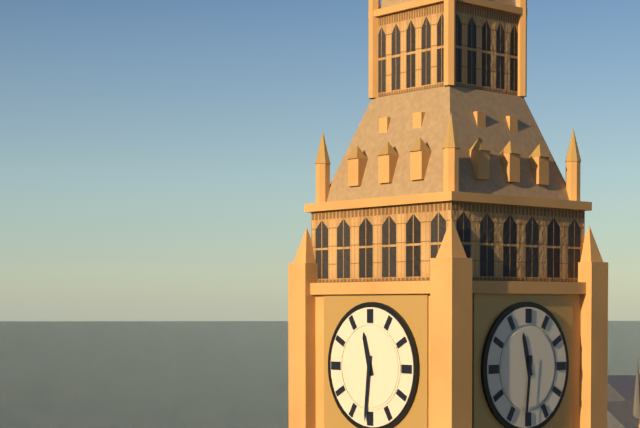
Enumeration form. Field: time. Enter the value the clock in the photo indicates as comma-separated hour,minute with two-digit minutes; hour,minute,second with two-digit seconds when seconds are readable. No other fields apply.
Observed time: 11,31
